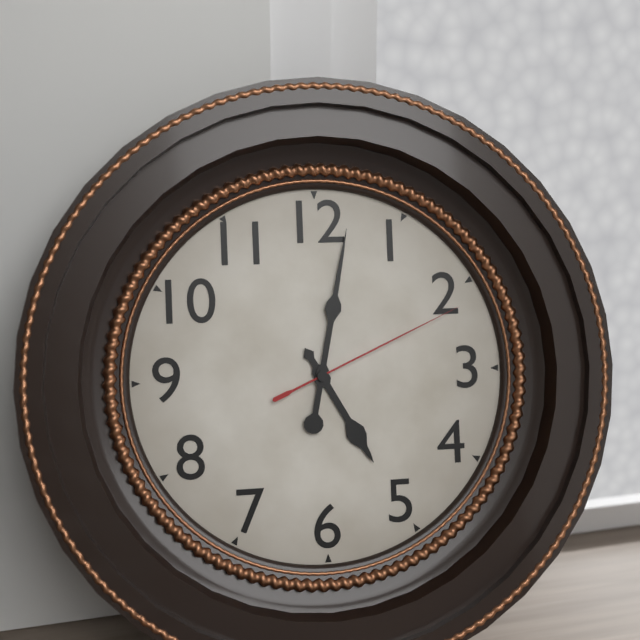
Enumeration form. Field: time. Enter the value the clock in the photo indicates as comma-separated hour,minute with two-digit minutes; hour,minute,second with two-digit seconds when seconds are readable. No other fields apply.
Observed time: 5,02,11
